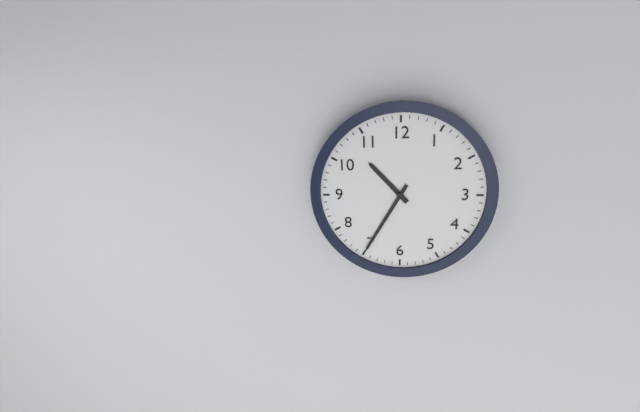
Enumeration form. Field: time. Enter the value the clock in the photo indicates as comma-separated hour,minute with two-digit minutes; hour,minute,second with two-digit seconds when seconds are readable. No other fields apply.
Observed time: 10,35
